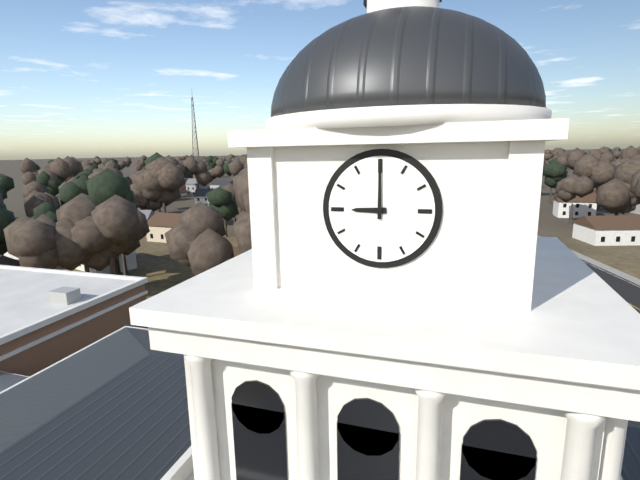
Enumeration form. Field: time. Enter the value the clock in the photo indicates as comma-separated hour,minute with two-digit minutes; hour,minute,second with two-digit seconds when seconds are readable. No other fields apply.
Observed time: 9,00
